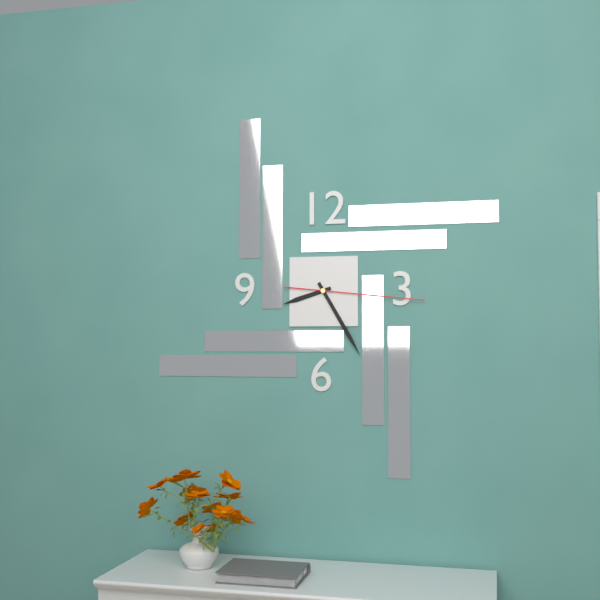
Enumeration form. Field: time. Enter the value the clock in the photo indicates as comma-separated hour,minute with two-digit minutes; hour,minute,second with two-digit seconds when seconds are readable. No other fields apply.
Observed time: 8,25,16
